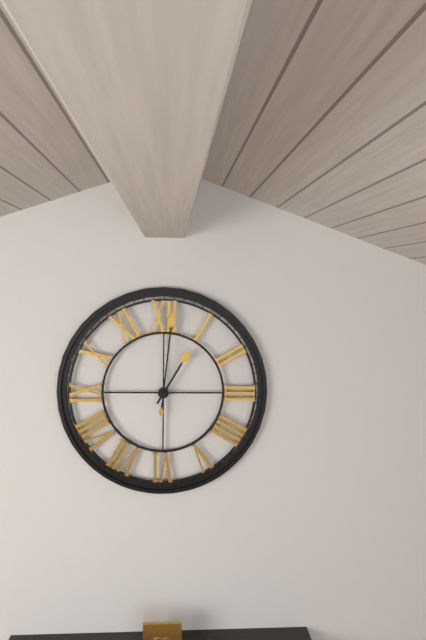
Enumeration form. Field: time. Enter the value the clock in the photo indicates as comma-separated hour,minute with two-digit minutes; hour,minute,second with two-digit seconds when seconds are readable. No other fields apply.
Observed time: 1,01
